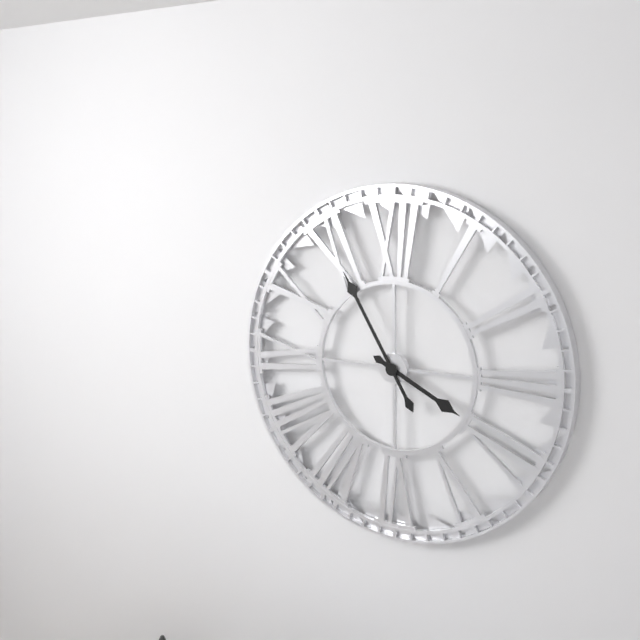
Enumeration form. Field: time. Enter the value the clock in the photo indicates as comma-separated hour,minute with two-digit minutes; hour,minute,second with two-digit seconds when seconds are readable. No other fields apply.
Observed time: 3,55
